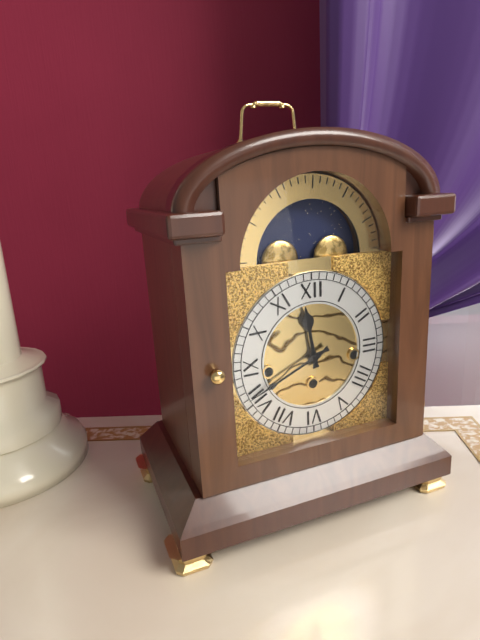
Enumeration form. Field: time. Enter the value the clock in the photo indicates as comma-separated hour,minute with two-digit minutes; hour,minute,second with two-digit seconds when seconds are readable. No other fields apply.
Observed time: 11,41
